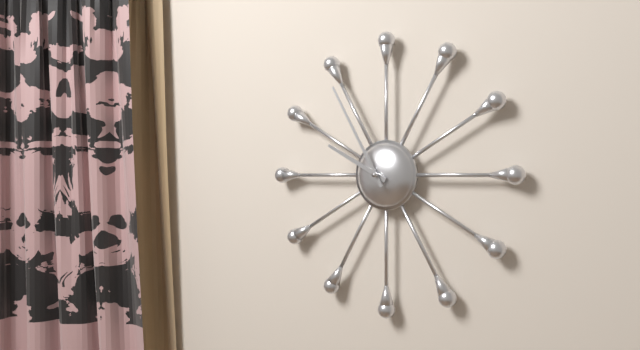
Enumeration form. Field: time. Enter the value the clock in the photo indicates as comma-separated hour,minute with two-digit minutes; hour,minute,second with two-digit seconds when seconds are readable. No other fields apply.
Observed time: 9,55
